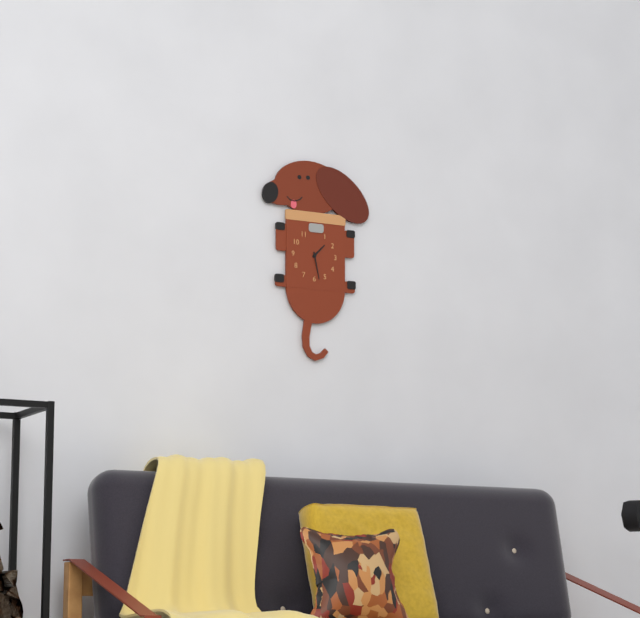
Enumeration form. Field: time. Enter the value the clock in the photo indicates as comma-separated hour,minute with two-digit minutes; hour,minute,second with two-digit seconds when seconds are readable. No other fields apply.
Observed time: 1,28
